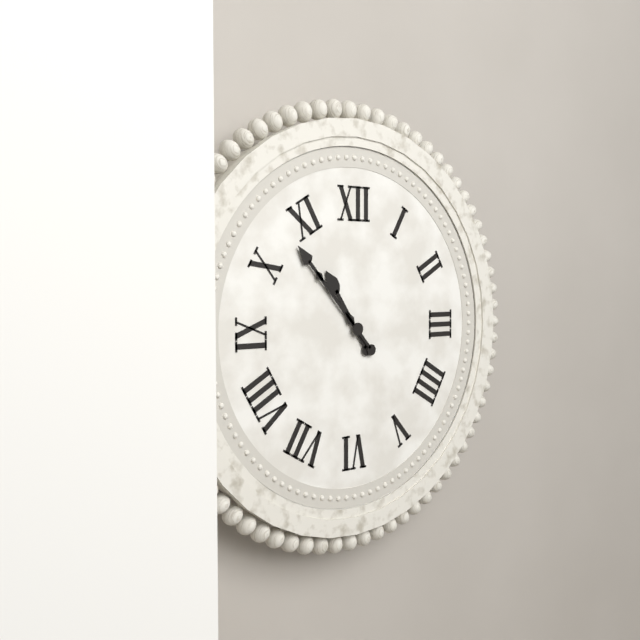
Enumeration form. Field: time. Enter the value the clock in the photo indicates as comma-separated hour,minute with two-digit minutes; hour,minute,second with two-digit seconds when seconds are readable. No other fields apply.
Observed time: 10,53
